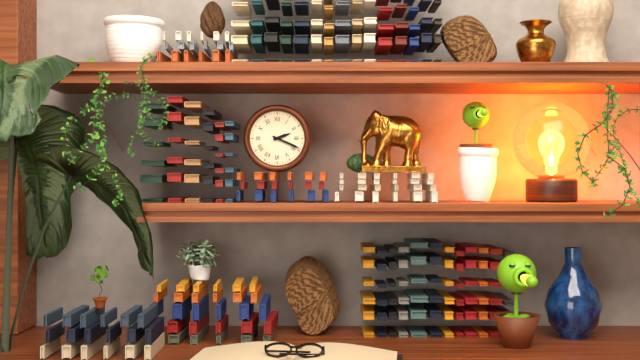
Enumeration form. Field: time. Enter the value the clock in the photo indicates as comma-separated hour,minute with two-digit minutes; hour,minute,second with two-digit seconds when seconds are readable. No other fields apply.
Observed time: 2,19
